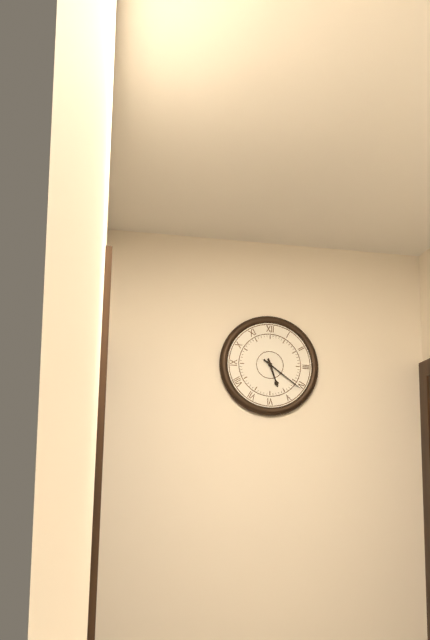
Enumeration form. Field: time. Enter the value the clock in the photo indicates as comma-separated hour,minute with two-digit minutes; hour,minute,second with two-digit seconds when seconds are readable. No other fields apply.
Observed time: 5,21
